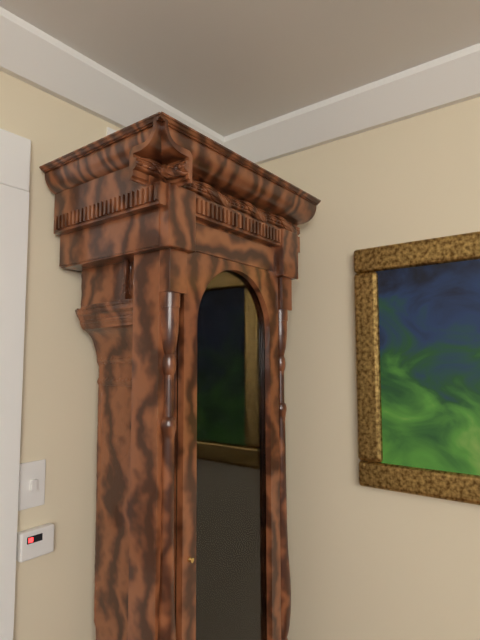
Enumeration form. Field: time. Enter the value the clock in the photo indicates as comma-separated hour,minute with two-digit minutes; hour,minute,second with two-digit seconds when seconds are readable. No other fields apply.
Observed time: 11,44
